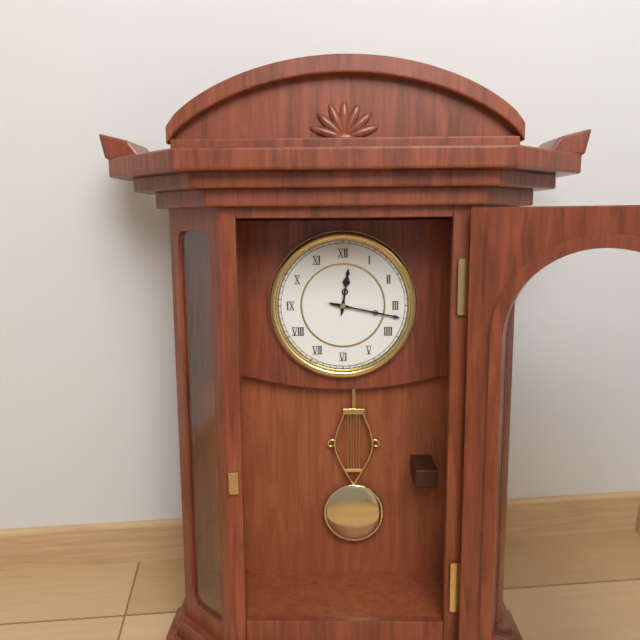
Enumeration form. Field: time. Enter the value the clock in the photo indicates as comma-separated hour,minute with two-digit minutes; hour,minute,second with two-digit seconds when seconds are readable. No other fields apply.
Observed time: 12,17
